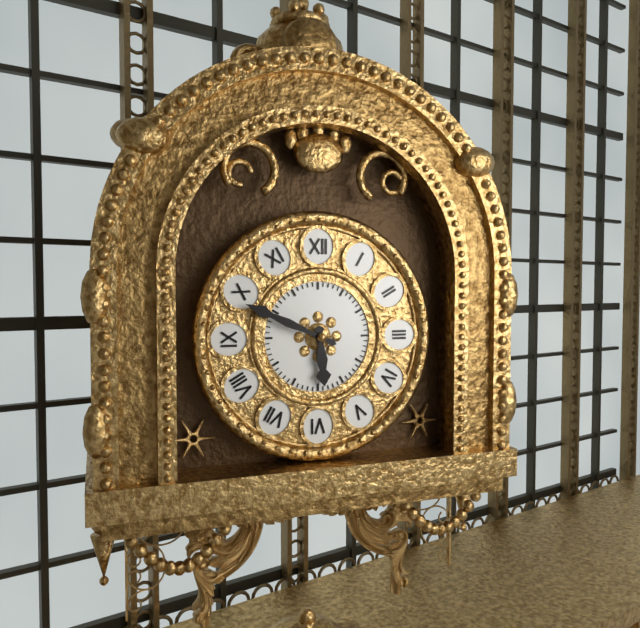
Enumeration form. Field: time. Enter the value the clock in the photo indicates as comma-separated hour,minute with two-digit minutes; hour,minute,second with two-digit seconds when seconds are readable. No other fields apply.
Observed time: 5,49
